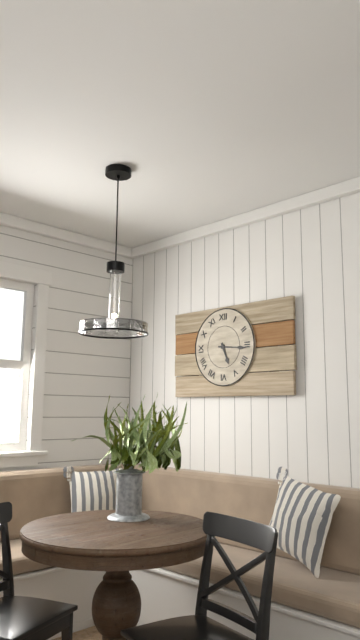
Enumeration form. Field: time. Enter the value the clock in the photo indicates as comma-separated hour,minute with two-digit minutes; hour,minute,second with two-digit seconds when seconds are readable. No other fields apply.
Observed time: 5,16
